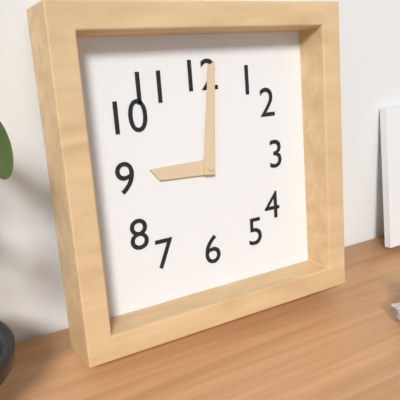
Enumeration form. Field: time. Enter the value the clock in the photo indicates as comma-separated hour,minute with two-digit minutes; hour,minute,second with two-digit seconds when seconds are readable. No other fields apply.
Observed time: 9,01
